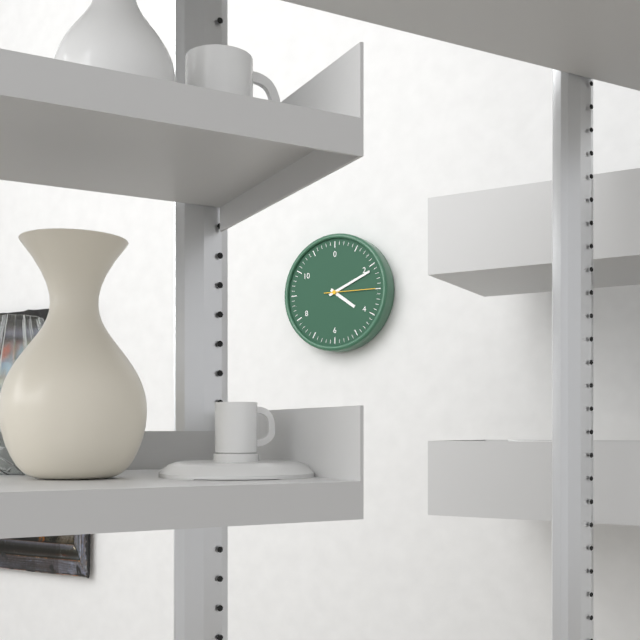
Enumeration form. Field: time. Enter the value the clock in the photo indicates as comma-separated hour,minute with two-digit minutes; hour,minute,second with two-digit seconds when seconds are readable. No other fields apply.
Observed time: 4,11,15
